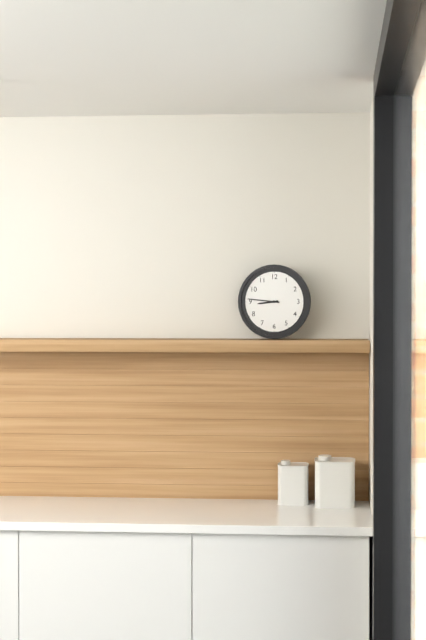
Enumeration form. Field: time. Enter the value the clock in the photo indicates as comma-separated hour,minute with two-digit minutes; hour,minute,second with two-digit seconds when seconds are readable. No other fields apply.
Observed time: 8,46
